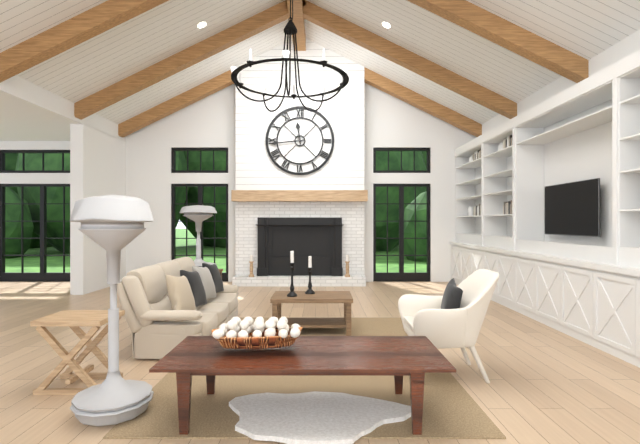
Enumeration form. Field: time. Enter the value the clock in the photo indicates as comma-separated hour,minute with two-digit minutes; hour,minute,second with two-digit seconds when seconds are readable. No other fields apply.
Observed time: 11,44
